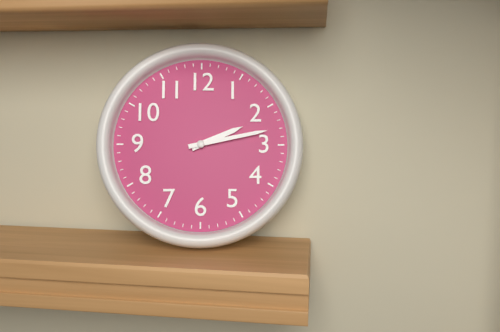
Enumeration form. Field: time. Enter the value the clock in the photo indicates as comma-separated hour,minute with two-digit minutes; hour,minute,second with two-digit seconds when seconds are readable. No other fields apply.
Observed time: 2,13
